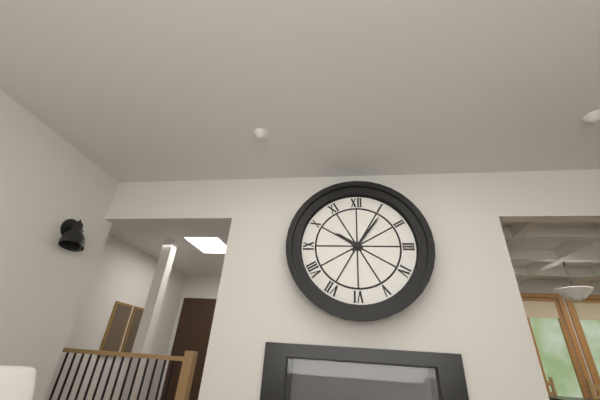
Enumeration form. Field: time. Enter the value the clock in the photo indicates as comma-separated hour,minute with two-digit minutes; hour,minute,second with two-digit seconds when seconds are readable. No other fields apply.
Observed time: 10,06
